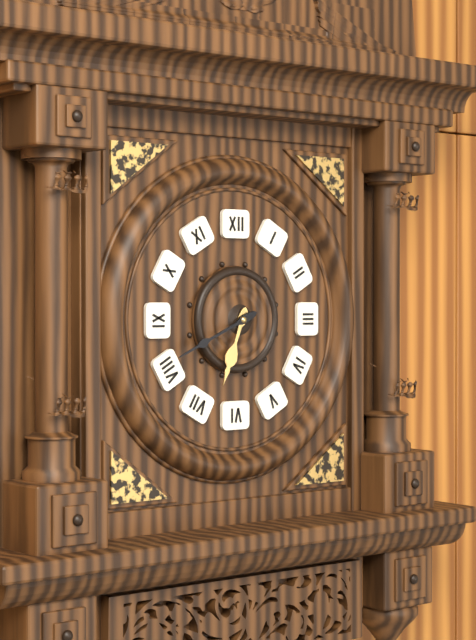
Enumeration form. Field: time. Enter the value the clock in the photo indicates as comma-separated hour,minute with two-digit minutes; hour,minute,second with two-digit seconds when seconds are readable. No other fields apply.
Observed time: 6,41
